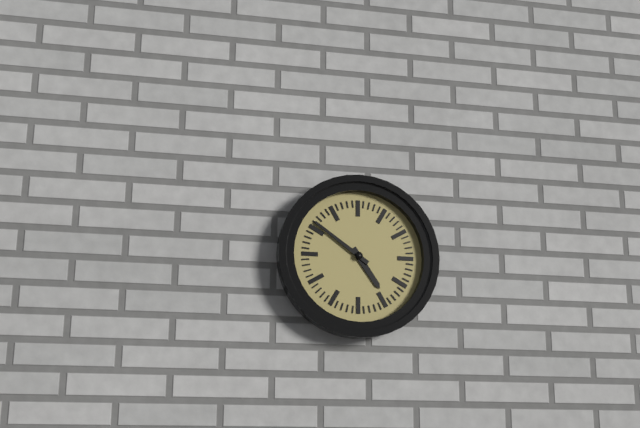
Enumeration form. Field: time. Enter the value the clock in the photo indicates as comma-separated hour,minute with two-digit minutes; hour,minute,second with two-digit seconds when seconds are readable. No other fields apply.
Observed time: 4,51
